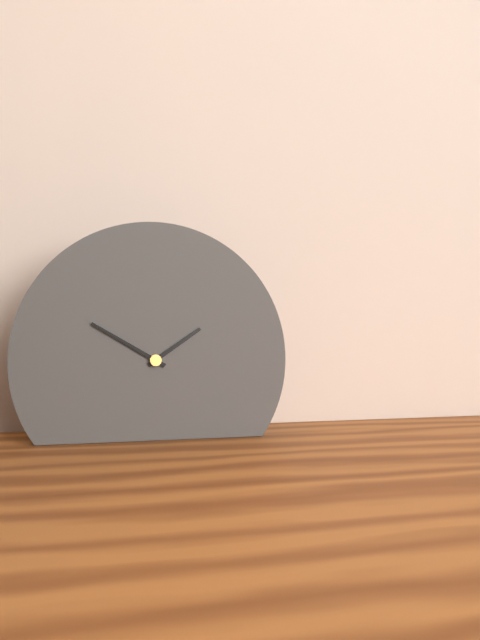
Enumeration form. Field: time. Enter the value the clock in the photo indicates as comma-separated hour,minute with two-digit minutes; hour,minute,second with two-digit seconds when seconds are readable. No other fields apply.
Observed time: 1,50
